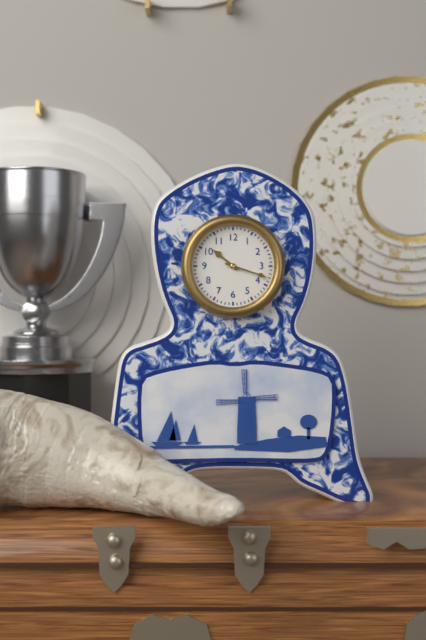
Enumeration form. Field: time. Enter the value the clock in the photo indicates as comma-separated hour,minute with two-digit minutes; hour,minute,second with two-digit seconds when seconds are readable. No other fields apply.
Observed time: 10,18
